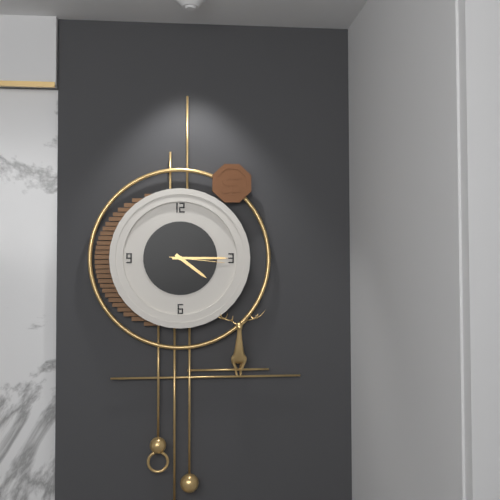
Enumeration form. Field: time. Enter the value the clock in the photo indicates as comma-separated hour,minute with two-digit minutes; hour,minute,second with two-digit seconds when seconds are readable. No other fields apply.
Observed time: 4,15,16
